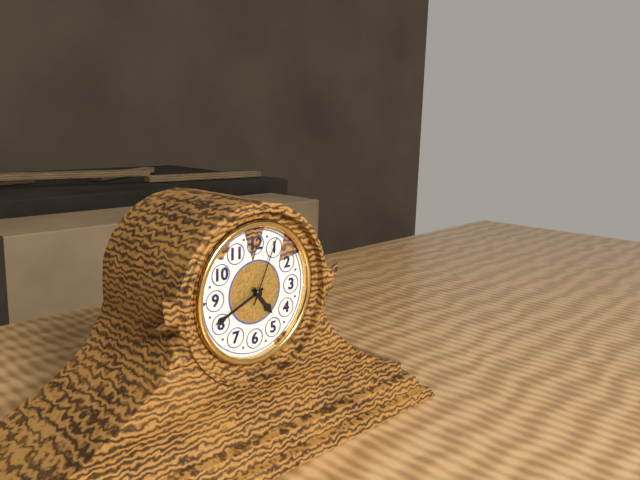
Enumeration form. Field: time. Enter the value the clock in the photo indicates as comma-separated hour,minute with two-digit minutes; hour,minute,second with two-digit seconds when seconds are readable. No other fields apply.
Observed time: 4,41,04
